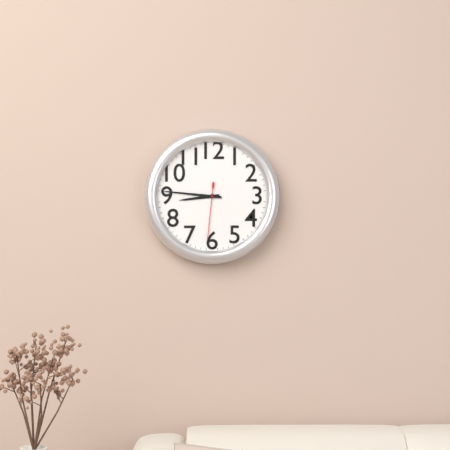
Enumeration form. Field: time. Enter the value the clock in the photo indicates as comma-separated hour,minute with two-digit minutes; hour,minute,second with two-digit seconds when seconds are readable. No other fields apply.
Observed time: 8,46,31
